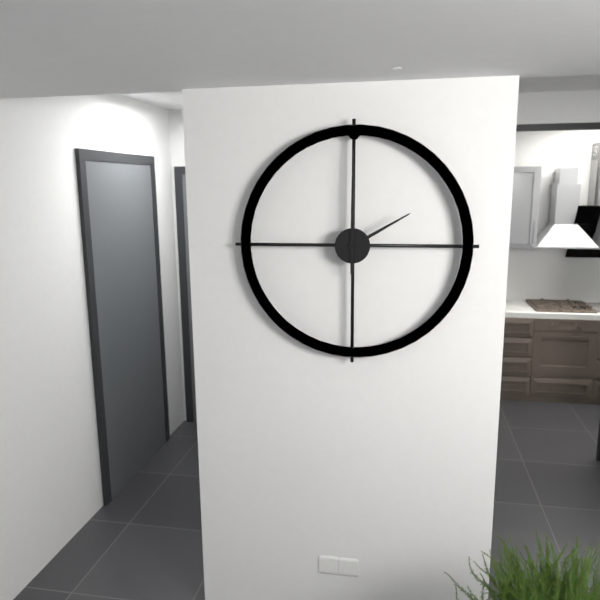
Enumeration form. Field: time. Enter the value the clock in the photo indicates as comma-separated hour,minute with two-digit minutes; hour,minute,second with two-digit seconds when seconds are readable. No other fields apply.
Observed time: 2,00
